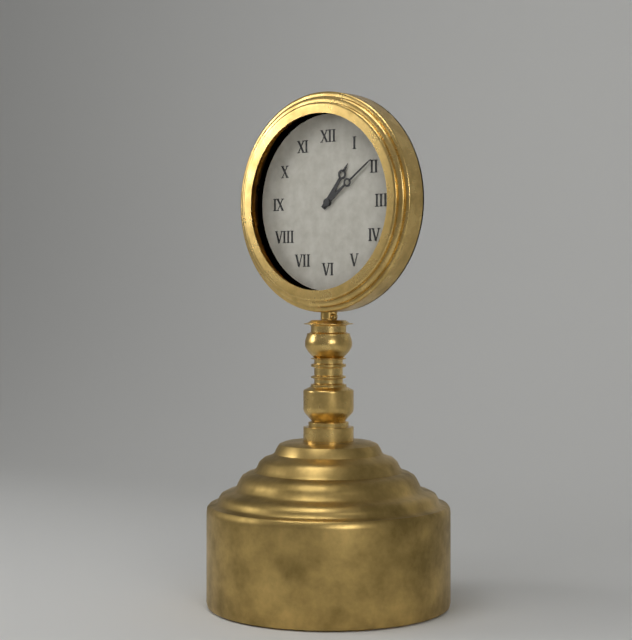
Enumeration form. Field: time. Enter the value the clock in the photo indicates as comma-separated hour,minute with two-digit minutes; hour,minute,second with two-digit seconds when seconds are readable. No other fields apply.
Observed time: 1,09
